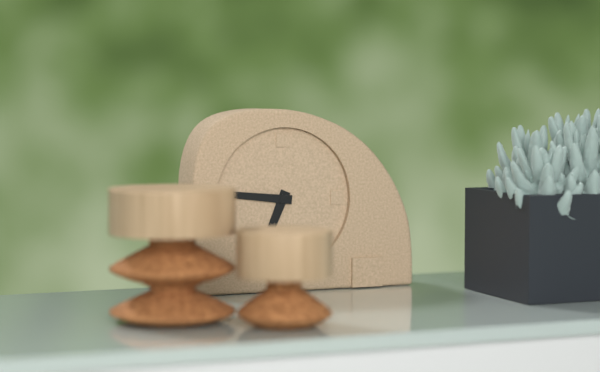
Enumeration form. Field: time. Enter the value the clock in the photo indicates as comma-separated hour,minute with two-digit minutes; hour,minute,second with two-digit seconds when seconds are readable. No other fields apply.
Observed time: 6,46
